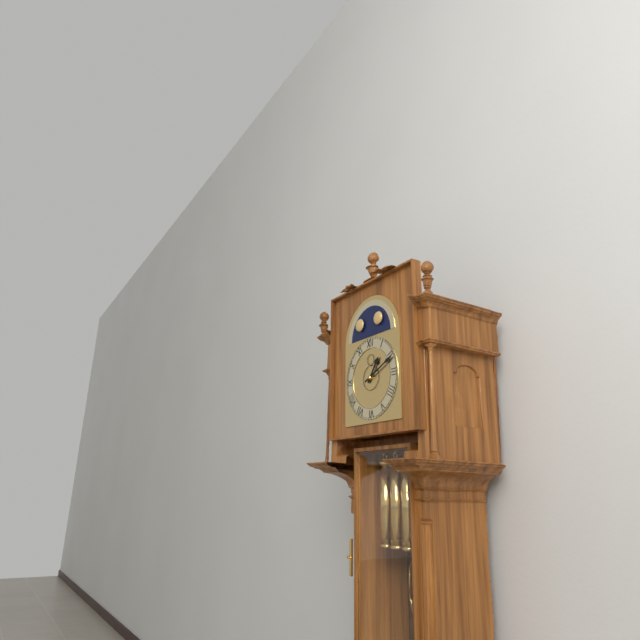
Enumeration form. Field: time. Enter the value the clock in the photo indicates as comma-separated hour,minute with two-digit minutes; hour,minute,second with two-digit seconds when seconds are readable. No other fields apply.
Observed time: 1,11
